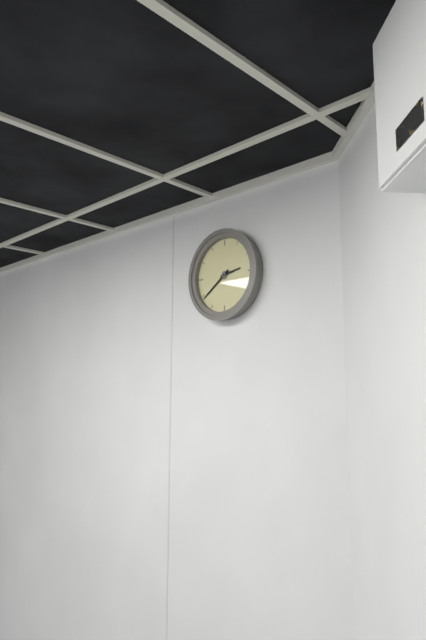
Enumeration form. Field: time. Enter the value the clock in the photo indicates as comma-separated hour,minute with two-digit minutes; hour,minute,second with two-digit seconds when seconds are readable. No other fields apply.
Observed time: 2,39
